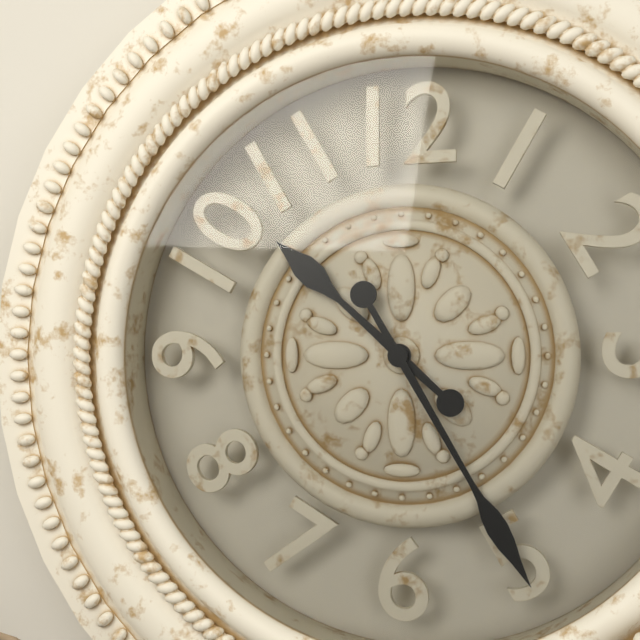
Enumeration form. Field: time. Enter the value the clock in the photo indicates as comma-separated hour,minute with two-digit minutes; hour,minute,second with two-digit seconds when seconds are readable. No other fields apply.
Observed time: 10,25
